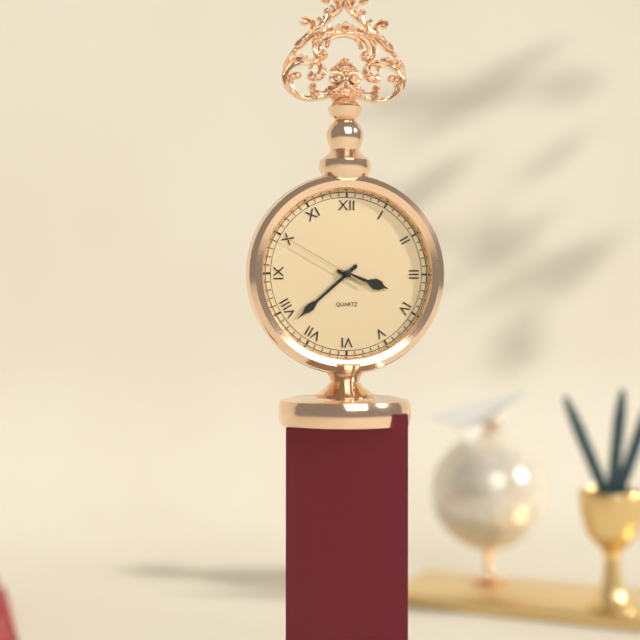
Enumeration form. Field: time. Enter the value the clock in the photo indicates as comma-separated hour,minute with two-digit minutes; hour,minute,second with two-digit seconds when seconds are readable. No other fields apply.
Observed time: 3,38,50
